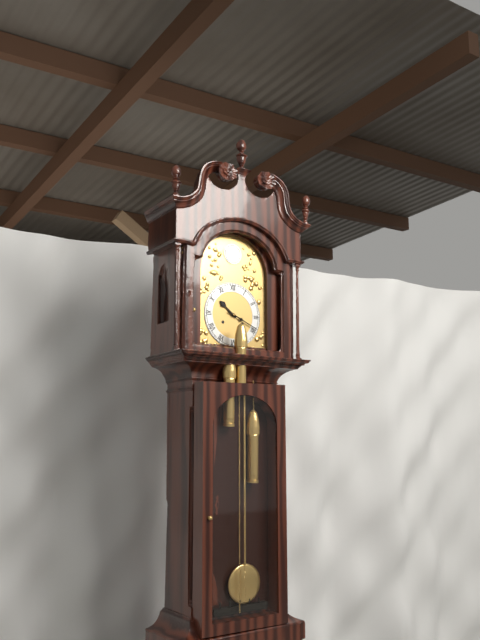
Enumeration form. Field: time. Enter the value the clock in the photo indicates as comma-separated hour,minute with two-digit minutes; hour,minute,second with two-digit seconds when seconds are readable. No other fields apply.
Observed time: 10,19
